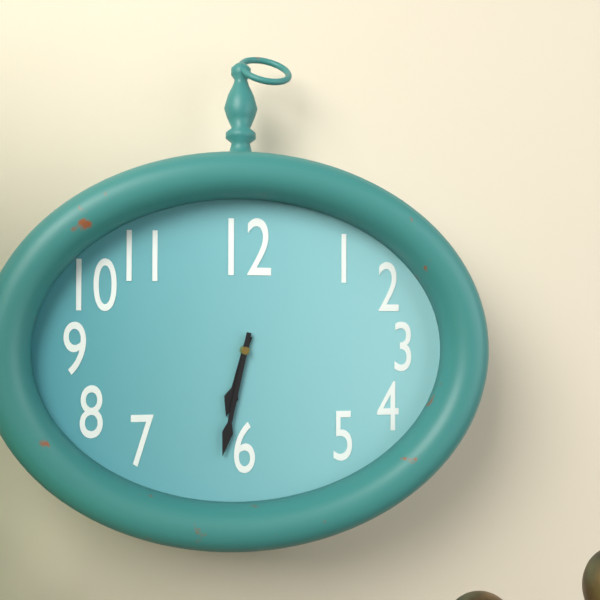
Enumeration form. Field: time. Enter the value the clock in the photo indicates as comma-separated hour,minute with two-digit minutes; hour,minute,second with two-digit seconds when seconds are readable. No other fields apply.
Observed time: 6,32
